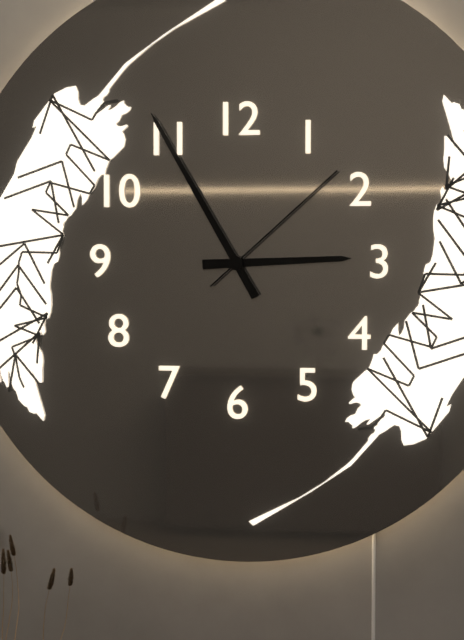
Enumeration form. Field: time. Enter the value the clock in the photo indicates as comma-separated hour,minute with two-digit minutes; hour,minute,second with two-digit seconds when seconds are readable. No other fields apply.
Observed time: 2,55,08
